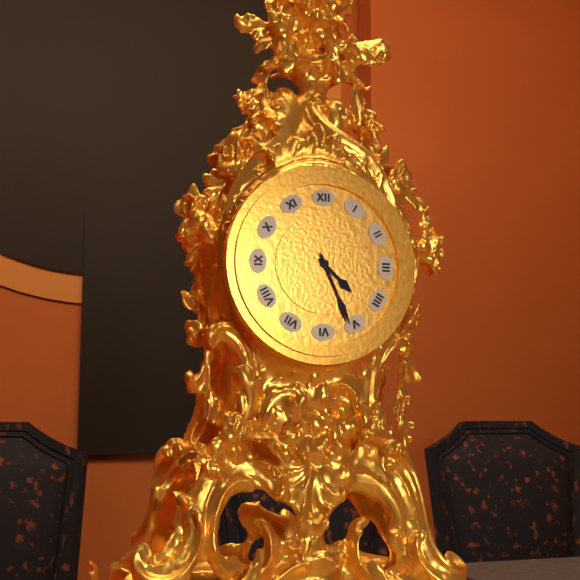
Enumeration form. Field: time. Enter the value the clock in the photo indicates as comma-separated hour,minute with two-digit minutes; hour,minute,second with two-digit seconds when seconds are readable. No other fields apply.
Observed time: 4,26
